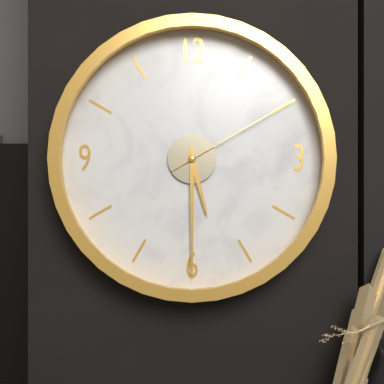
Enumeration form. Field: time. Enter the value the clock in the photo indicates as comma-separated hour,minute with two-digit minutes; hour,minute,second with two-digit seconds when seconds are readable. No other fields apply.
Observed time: 5,30,10
